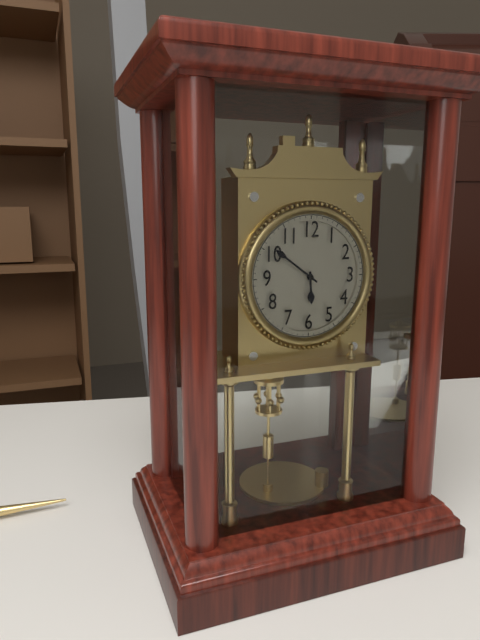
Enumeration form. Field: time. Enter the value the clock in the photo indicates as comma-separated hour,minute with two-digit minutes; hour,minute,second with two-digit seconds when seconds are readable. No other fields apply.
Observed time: 5,51
